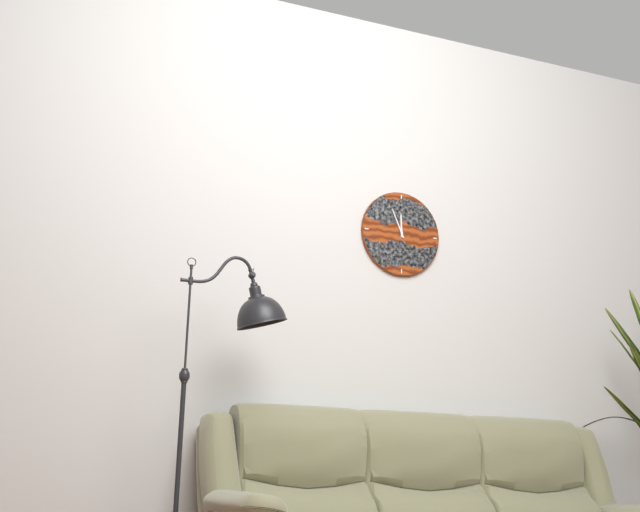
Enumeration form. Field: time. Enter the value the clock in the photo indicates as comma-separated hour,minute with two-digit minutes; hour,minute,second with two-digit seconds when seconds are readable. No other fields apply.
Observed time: 11,56
